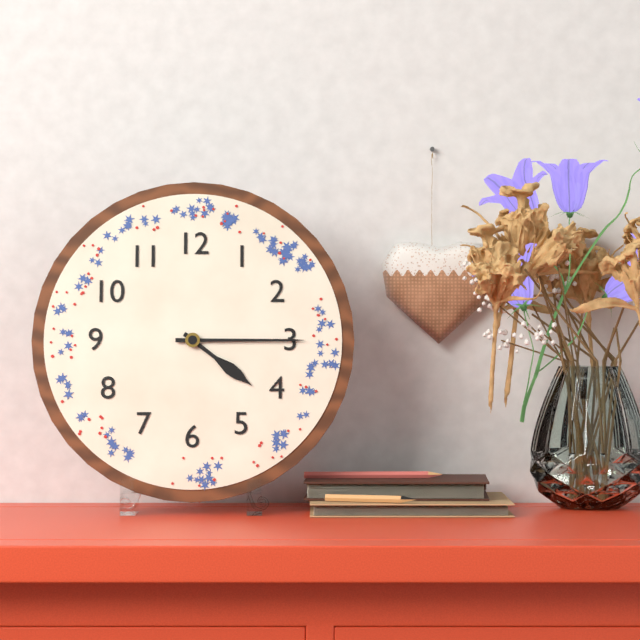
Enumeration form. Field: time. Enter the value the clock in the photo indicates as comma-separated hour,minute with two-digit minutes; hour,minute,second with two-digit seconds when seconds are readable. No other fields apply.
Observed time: 4,15
